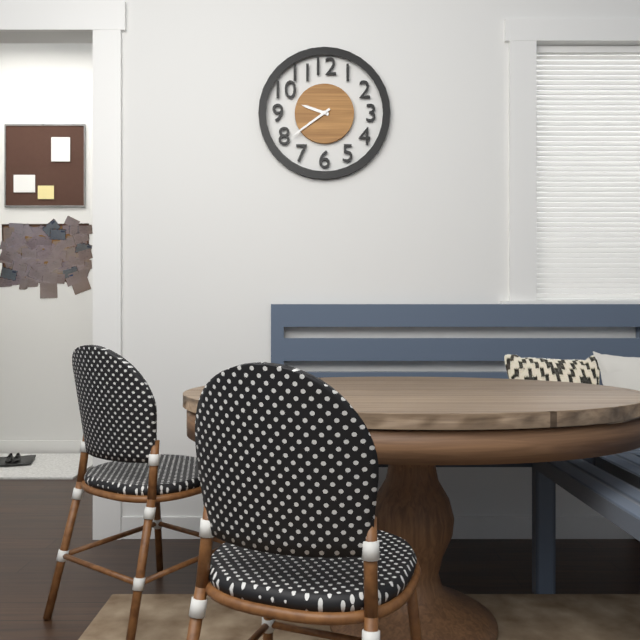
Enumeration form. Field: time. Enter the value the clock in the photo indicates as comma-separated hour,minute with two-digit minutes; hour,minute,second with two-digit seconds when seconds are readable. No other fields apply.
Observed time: 9,39
